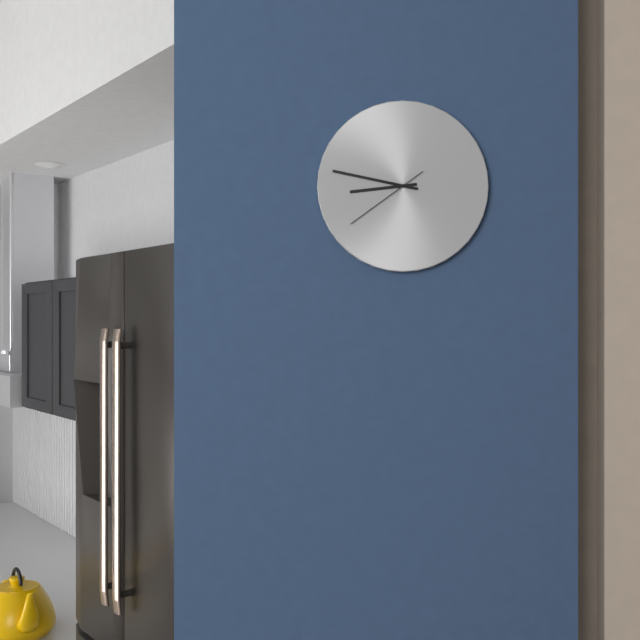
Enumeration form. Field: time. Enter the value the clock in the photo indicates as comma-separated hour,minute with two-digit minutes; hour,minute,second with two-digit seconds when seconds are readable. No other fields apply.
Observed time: 8,47,39
